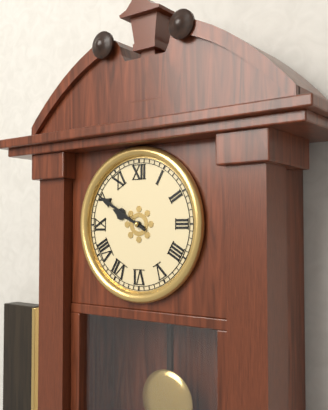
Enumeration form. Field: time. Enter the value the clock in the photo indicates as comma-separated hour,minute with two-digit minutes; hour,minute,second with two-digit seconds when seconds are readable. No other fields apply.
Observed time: 9,50
